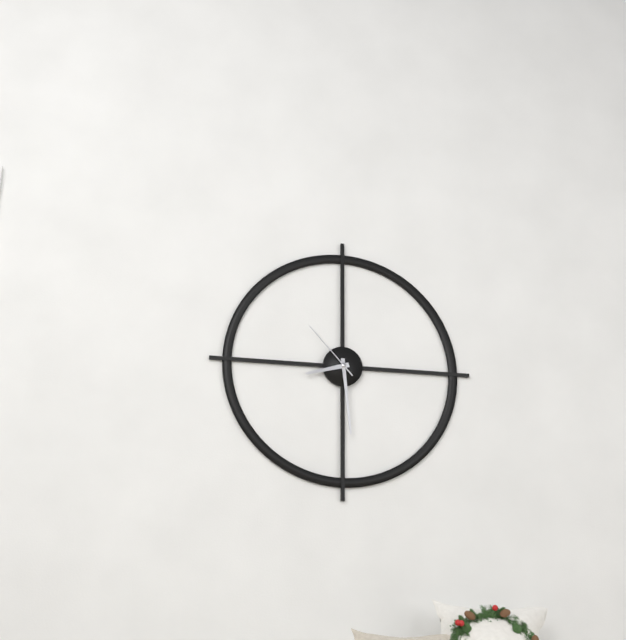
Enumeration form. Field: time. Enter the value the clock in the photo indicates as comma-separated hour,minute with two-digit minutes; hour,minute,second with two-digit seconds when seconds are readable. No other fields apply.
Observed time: 8,29,53
